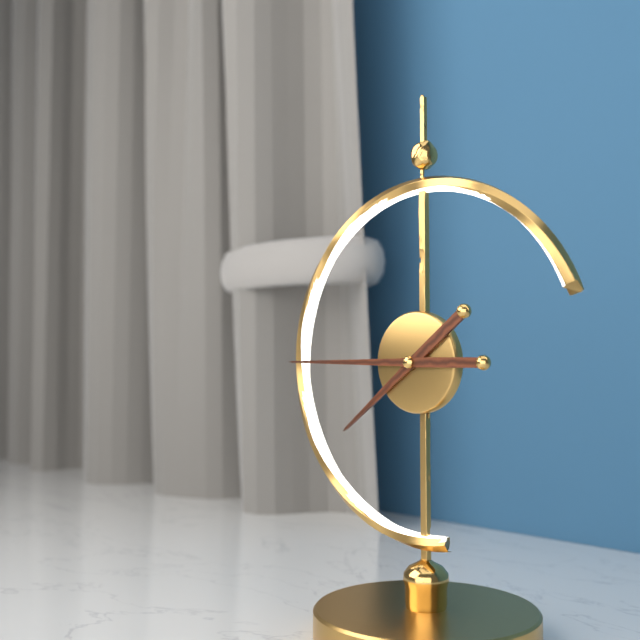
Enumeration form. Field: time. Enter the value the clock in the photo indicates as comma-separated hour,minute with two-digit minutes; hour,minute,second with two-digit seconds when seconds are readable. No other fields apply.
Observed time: 7,45
